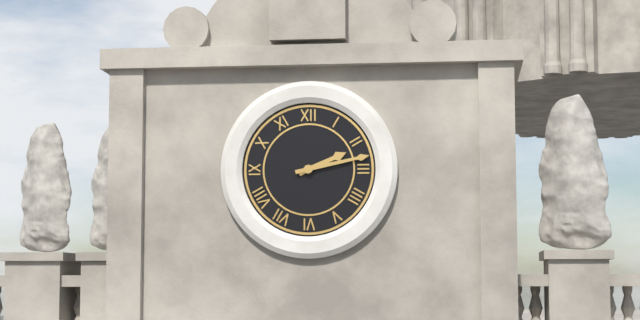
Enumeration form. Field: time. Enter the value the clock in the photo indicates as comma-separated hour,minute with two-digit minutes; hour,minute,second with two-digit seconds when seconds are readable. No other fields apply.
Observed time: 2,13
